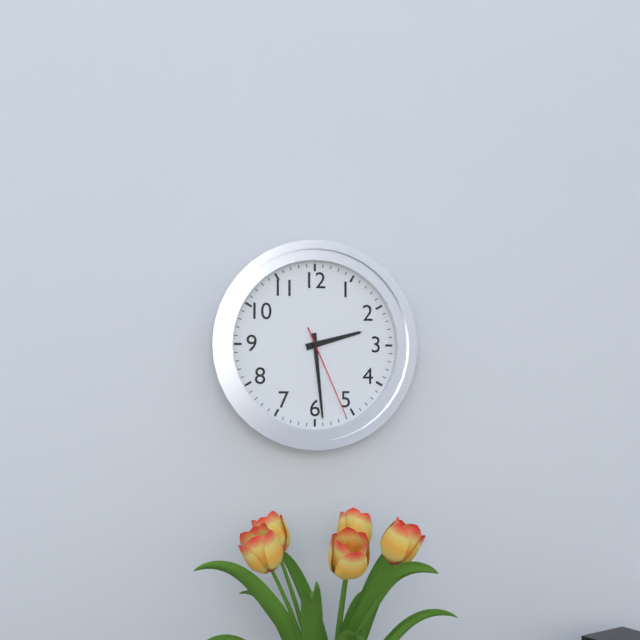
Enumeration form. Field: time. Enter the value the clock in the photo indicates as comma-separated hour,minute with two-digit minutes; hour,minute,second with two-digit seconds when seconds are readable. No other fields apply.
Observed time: 2,29,26
